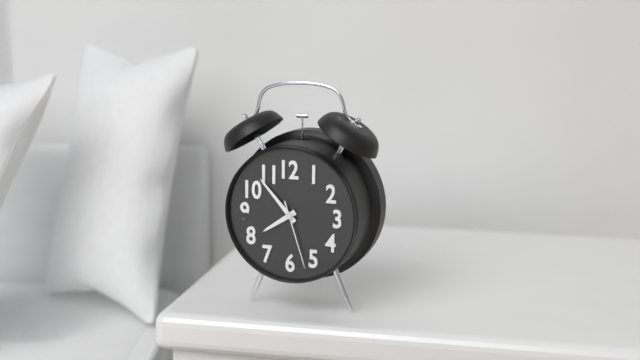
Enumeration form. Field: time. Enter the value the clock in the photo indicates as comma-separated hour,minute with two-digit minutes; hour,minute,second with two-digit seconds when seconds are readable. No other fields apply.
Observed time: 7,53,27
